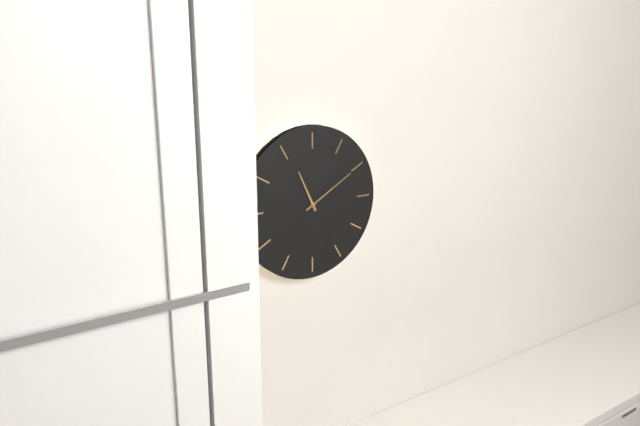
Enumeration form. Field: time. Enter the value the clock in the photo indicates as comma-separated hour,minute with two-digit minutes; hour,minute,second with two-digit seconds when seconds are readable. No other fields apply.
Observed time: 11,10
